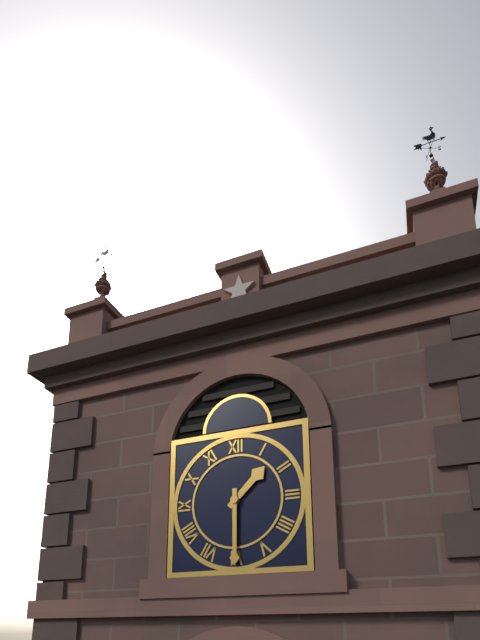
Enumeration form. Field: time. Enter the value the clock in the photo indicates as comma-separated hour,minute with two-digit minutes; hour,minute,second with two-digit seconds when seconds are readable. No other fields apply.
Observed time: 1,30
